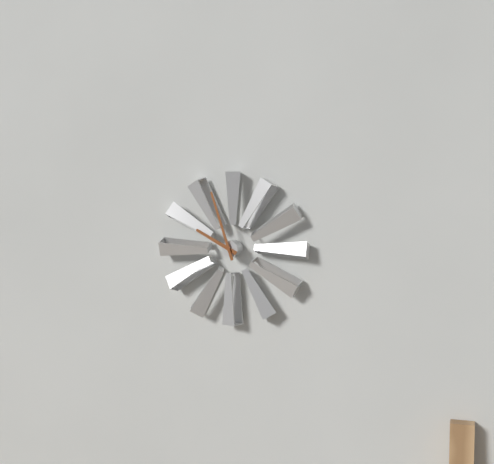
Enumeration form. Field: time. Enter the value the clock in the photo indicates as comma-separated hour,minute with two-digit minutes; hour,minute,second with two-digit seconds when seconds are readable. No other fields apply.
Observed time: 9,57
